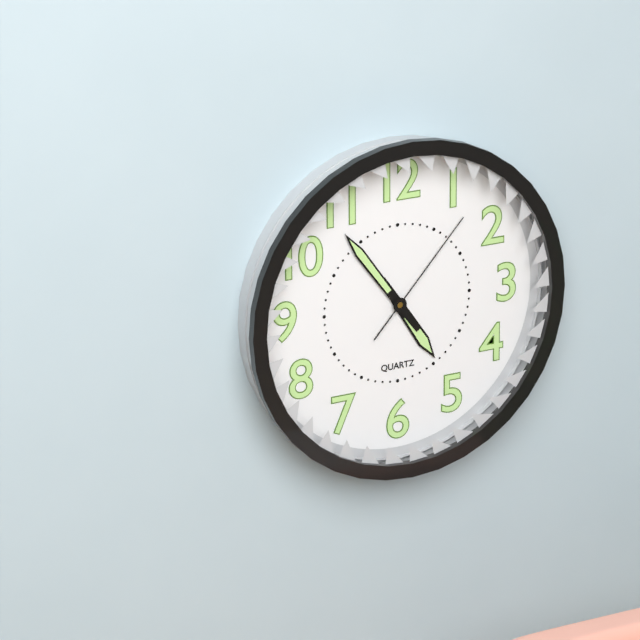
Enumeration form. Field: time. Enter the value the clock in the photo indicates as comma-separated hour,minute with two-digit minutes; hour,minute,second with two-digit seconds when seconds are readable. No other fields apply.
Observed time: 4,54,07
